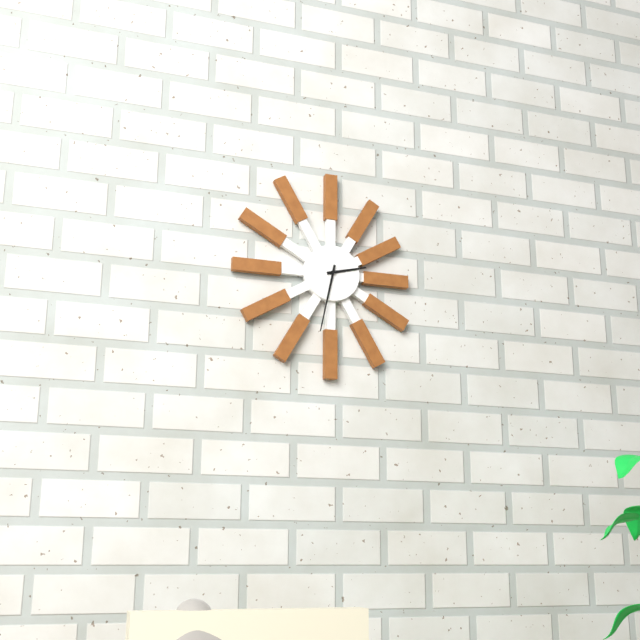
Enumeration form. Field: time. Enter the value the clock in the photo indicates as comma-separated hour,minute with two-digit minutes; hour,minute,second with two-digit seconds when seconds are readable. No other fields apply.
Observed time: 2,32
